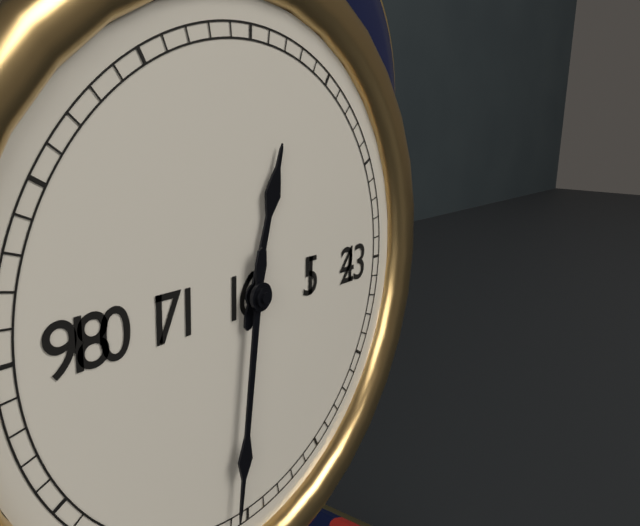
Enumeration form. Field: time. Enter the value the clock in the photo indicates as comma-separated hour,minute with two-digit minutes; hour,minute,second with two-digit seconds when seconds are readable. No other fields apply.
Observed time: 12,31
